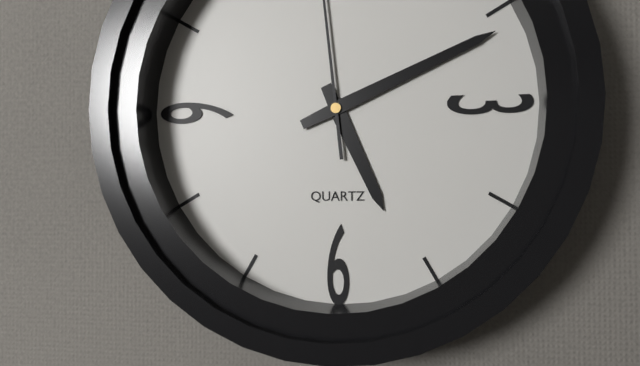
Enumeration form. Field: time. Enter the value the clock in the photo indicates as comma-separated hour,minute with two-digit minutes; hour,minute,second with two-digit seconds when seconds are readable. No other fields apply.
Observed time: 5,11
